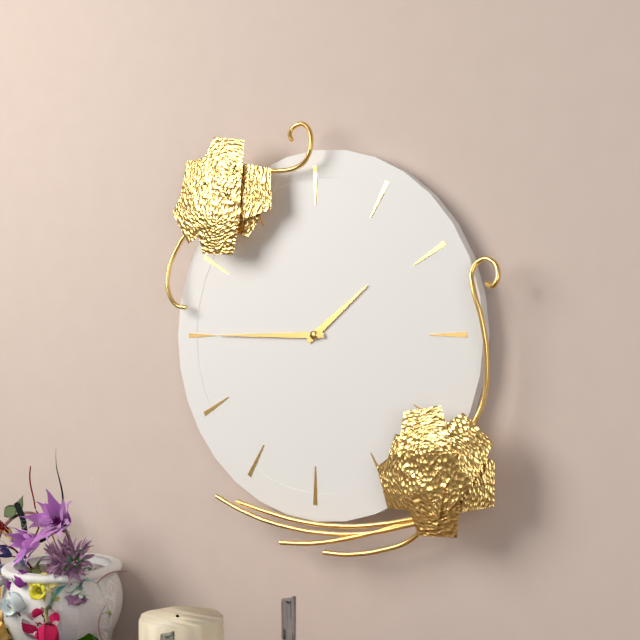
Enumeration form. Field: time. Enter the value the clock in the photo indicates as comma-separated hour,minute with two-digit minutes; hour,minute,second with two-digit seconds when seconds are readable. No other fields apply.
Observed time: 1,45
